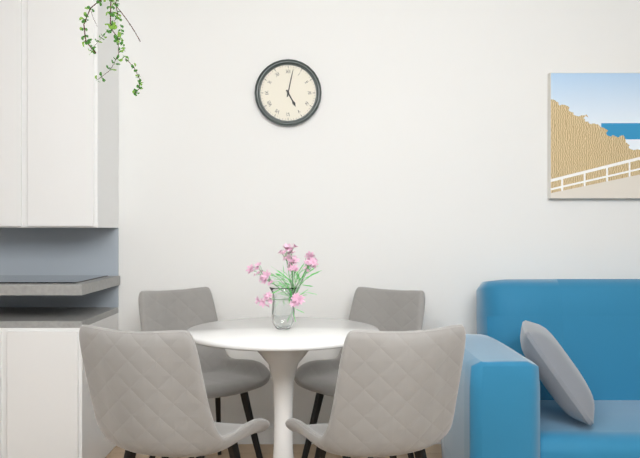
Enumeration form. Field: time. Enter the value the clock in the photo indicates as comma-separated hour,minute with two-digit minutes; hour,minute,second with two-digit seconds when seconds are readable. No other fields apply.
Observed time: 5,02
